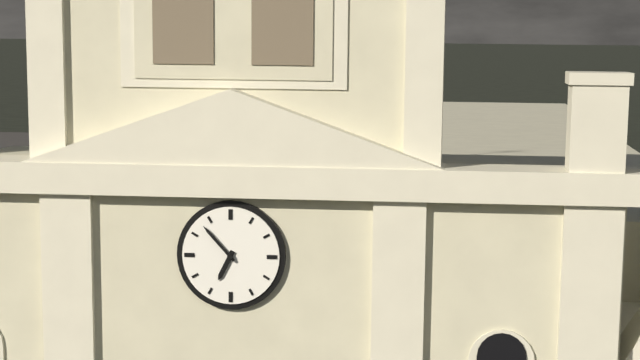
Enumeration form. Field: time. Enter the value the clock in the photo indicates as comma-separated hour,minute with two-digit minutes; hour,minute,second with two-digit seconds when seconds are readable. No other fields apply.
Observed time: 6,53
